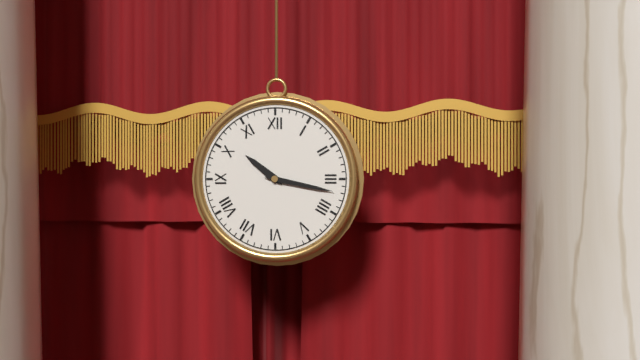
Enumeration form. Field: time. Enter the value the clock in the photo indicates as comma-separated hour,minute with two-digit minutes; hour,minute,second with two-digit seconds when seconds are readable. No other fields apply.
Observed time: 10,17
